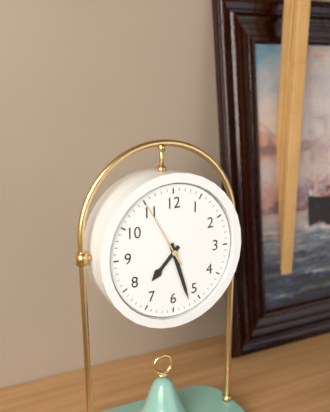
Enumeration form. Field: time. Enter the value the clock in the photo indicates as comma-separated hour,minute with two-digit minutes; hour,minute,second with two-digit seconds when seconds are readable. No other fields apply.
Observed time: 7,27,55
